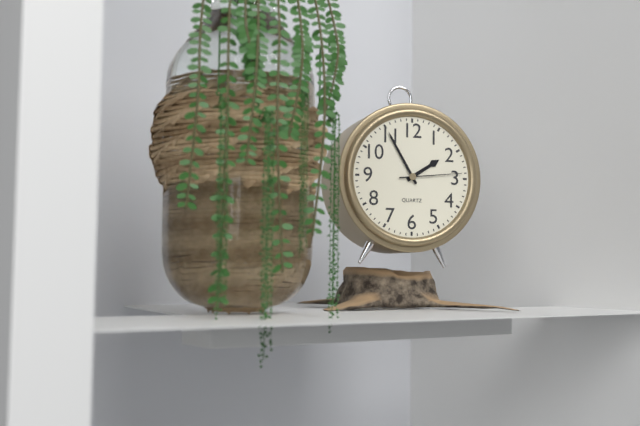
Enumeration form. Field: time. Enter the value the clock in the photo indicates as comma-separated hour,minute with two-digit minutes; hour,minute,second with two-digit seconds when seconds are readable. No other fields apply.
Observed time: 1,55,14
